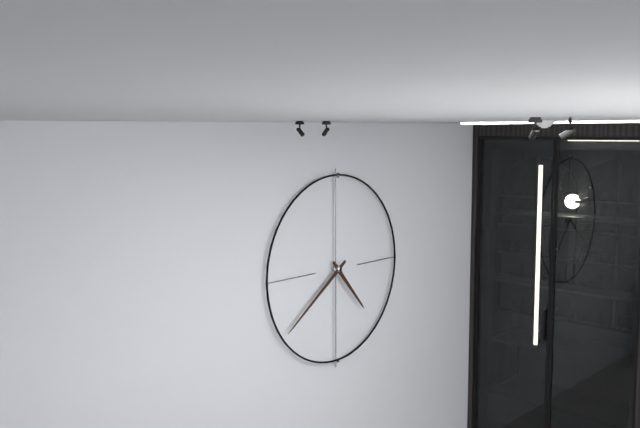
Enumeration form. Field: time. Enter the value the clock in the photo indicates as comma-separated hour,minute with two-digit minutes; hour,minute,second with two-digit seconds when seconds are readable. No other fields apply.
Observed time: 4,39
